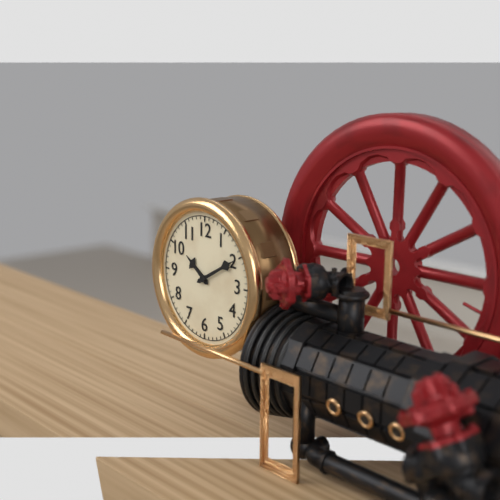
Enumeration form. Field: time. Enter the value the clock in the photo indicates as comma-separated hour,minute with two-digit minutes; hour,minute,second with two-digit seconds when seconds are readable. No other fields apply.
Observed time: 10,10
